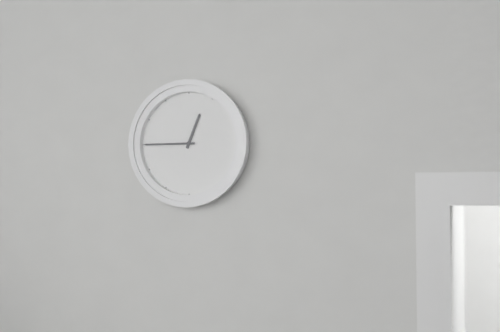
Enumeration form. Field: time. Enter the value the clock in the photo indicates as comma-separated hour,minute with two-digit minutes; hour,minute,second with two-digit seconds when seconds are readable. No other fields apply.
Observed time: 12,45
